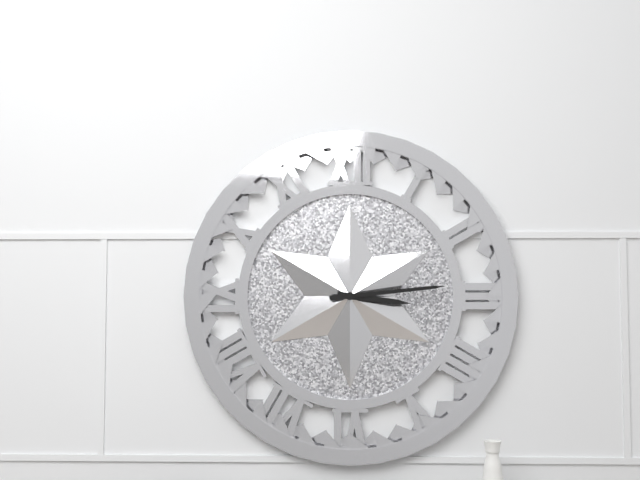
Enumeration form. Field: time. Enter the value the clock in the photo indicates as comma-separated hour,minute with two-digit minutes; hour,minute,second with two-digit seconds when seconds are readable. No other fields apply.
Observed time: 3,14
